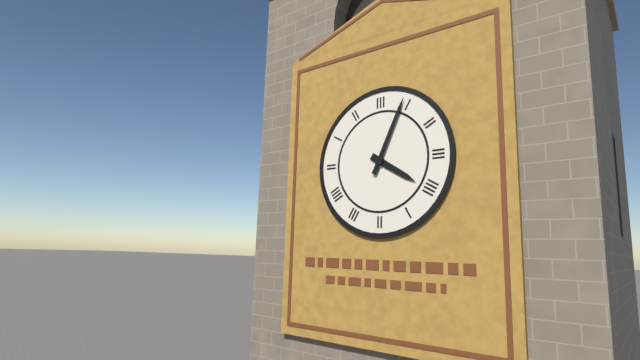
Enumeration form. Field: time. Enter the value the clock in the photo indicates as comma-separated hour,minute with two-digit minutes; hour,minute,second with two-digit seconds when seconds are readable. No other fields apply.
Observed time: 4,04
